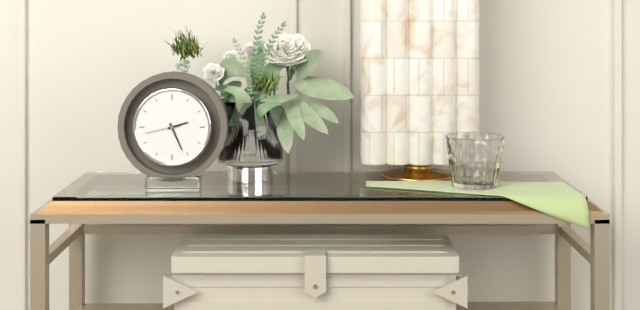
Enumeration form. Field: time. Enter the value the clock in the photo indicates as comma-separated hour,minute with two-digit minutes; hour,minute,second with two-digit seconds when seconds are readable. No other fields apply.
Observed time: 2,26
